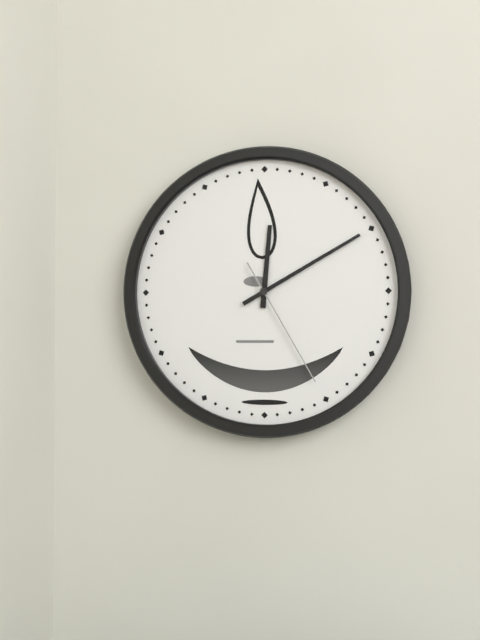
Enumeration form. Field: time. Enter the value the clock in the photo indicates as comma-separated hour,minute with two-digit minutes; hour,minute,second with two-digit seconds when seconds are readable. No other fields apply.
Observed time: 12,10,25
